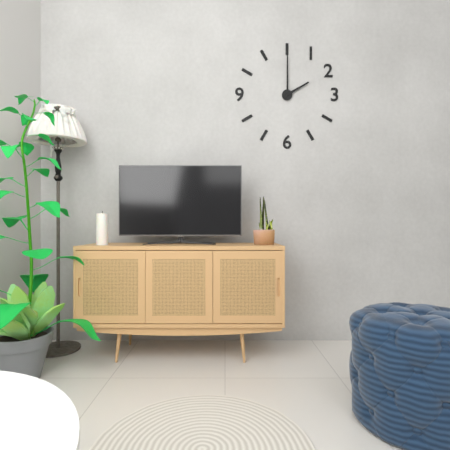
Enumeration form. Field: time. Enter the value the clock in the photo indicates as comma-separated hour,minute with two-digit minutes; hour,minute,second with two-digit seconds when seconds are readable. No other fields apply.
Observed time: 2,00
